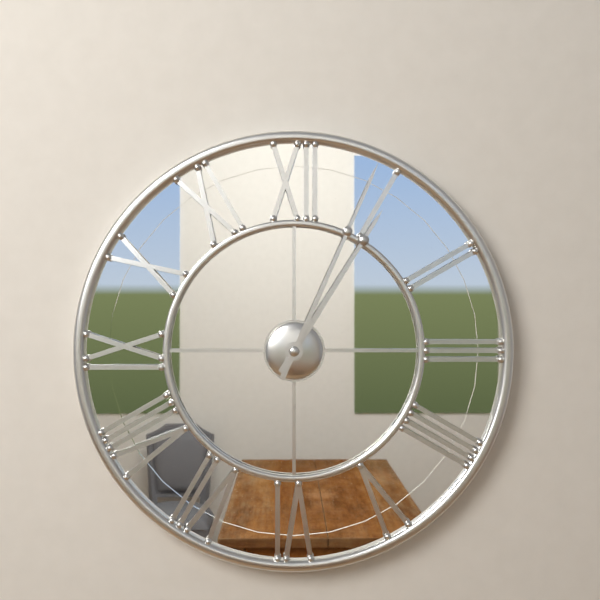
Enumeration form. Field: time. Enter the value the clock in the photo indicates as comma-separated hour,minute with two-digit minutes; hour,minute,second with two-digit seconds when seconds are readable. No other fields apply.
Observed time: 1,04
